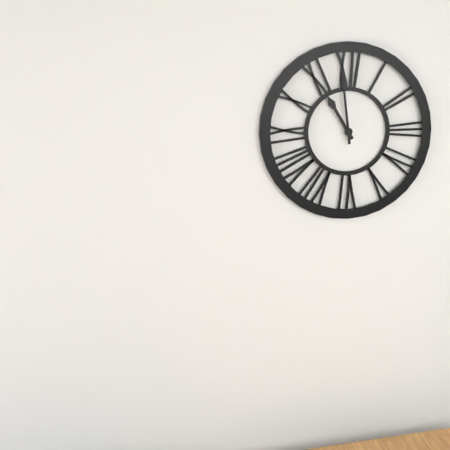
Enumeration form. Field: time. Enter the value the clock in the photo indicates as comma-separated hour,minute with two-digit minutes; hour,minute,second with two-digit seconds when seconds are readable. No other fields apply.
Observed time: 10,59
